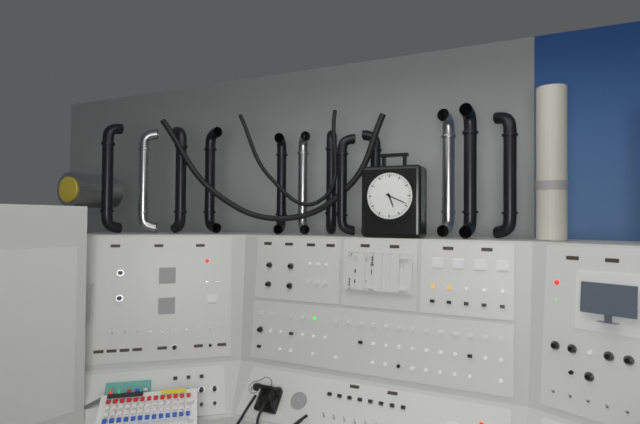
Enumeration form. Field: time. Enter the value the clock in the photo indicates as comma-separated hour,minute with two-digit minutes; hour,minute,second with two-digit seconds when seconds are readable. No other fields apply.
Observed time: 5,19
